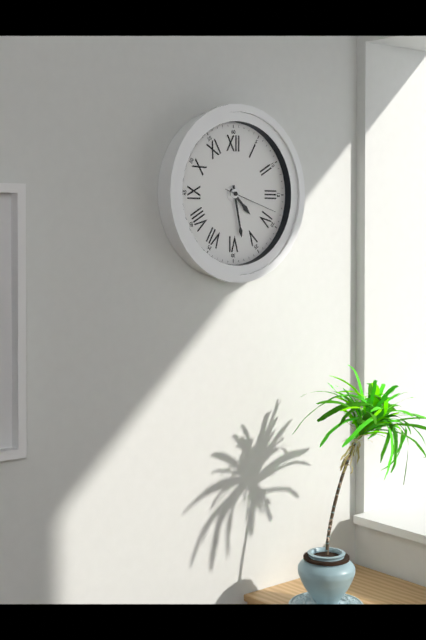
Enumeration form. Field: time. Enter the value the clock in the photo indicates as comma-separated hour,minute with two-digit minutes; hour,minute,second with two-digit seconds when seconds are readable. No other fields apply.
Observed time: 4,28,18
